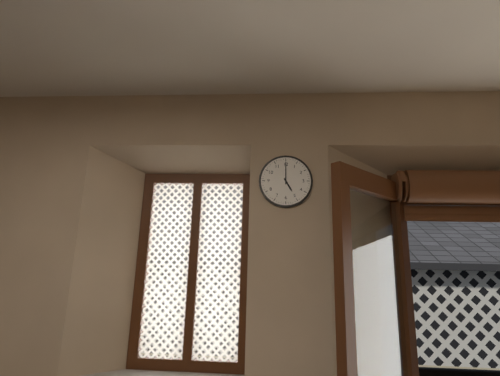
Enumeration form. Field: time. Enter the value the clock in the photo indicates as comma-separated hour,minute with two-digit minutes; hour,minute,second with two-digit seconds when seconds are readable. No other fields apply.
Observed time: 5,00
